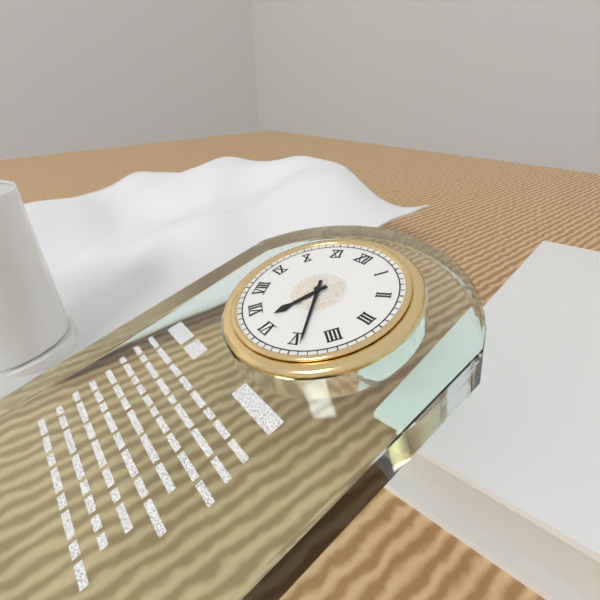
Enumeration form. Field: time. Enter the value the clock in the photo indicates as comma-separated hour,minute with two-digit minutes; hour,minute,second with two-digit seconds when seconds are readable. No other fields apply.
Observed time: 6,24
